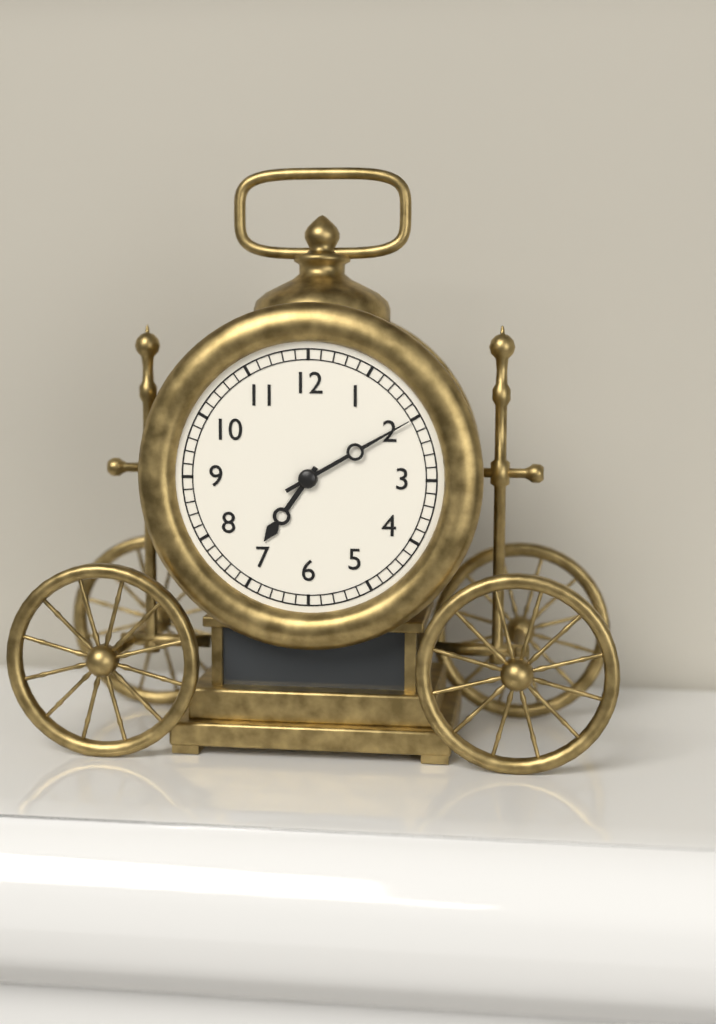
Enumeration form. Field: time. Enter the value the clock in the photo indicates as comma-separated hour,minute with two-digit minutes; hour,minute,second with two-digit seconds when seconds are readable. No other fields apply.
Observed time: 7,10
